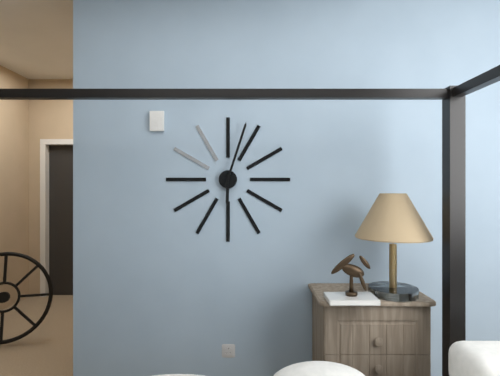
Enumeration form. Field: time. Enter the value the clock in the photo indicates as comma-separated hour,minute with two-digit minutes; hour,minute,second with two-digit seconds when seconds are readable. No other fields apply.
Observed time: 6,03
